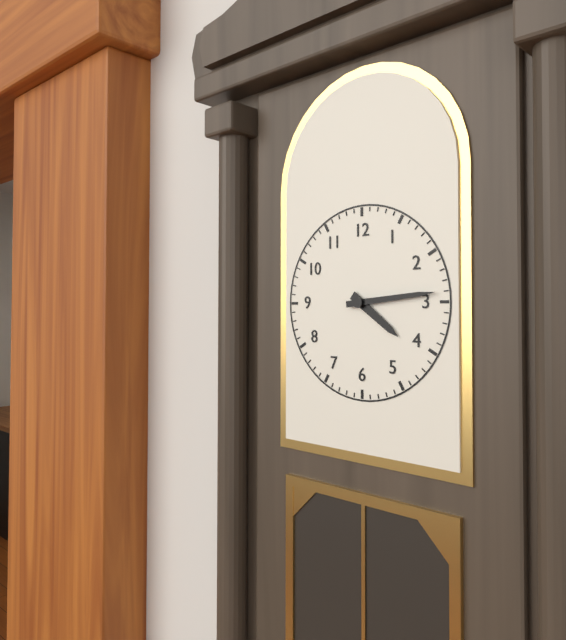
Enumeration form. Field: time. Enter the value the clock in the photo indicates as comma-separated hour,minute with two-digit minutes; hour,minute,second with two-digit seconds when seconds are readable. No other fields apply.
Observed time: 4,14
